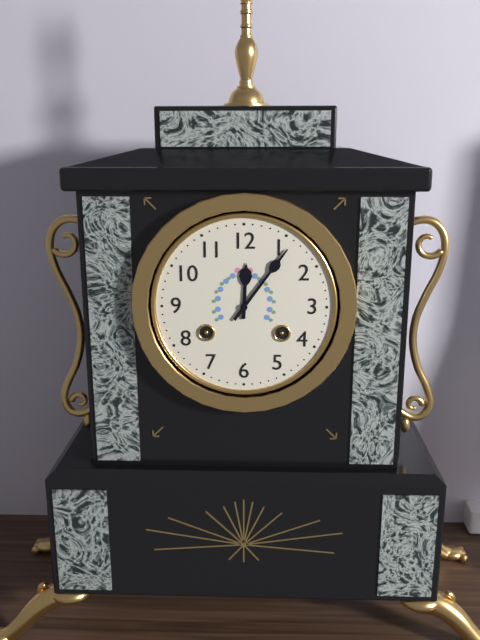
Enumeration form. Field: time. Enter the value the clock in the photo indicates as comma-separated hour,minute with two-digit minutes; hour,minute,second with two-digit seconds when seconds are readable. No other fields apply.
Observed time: 12,06
